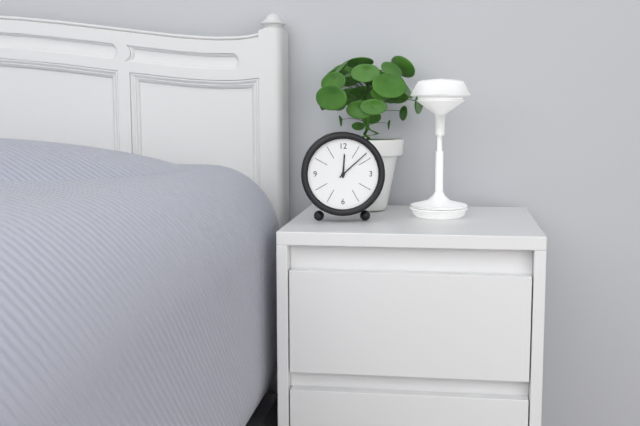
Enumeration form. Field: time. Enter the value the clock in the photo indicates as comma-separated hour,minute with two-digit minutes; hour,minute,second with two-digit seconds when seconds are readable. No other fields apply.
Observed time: 12,08
